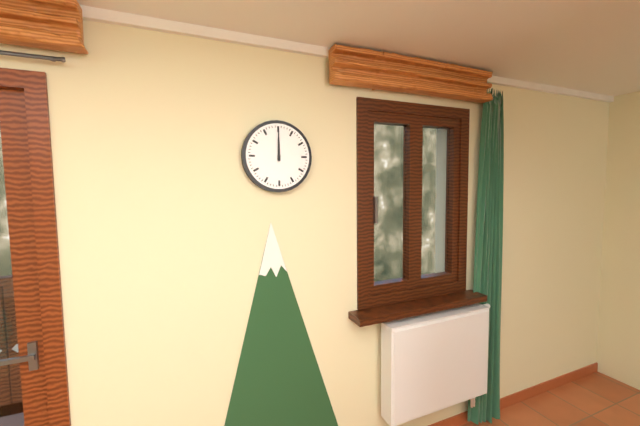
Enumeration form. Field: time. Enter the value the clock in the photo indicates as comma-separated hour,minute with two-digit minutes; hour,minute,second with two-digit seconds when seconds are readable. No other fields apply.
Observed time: 12,00
